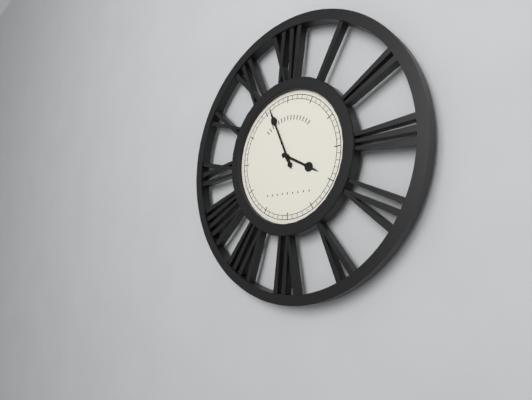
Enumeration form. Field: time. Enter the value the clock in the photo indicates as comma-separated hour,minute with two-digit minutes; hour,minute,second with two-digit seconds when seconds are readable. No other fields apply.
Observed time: 3,56
